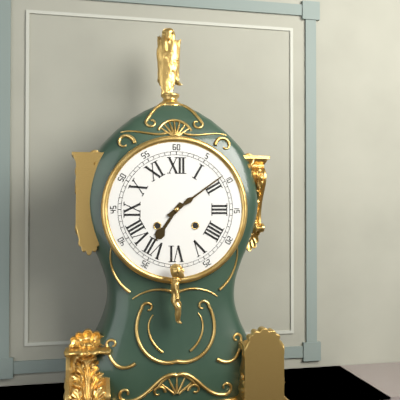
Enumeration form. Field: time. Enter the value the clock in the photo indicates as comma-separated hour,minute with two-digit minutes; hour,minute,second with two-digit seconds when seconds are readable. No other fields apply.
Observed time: 7,09
